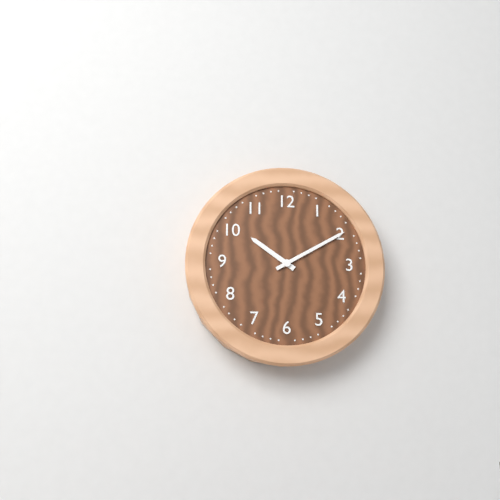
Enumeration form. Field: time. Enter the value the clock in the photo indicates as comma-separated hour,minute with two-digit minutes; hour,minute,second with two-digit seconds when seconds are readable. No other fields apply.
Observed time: 10,10
